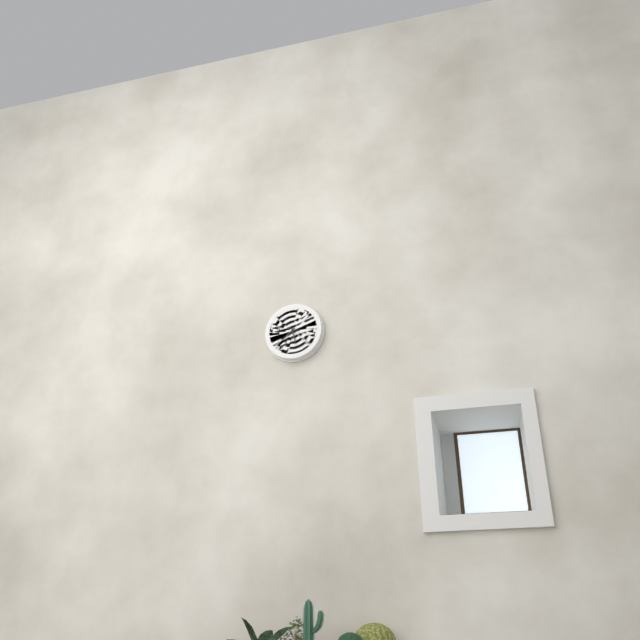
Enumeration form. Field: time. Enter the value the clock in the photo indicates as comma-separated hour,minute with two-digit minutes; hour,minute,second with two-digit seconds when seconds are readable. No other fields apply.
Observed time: 5,38
